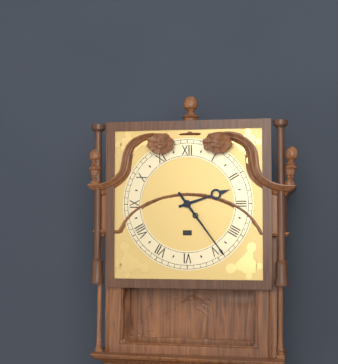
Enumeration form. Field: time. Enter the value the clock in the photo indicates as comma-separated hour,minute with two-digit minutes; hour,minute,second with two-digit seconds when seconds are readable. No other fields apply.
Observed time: 2,24
